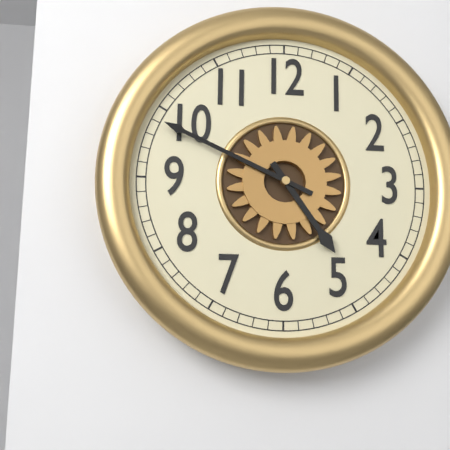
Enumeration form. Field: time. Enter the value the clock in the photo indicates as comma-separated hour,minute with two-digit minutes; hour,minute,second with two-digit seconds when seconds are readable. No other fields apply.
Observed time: 4,49
